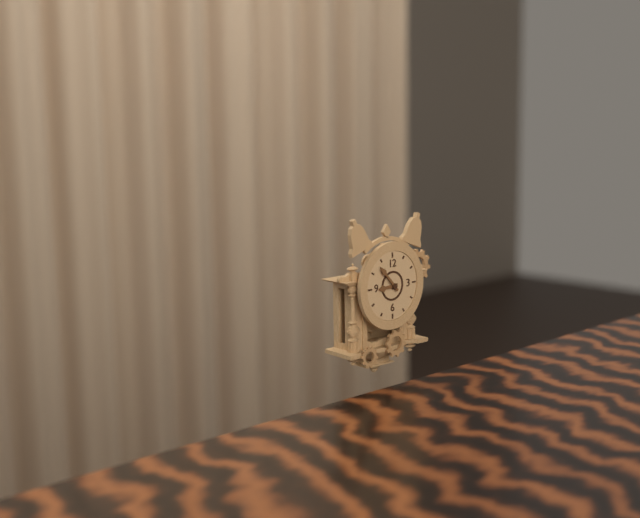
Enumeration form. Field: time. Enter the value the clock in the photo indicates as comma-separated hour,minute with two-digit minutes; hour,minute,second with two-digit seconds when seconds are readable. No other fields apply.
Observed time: 8,53
